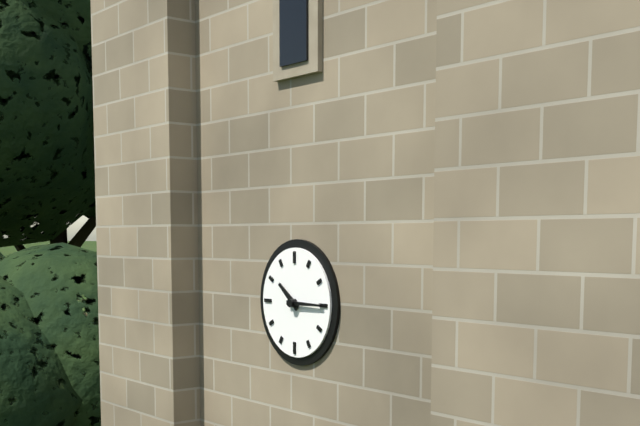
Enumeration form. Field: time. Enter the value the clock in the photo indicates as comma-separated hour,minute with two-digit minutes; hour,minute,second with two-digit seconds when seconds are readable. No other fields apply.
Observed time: 10,15
